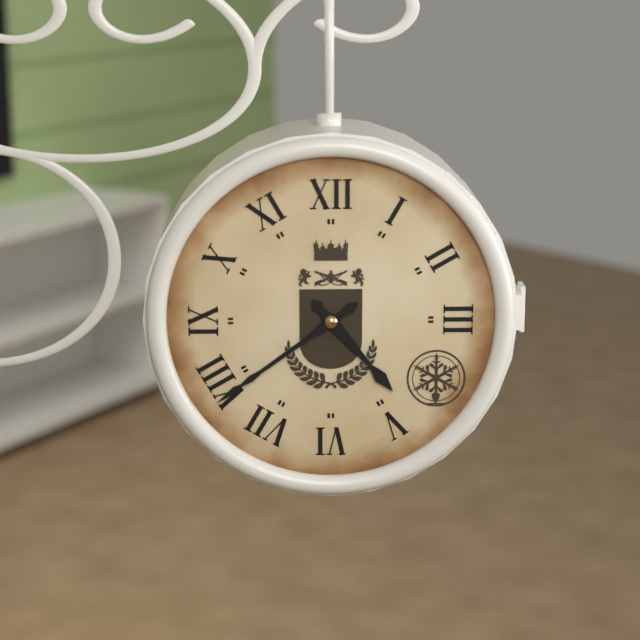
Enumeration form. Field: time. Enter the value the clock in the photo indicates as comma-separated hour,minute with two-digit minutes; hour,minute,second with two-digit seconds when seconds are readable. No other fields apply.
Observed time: 4,39
